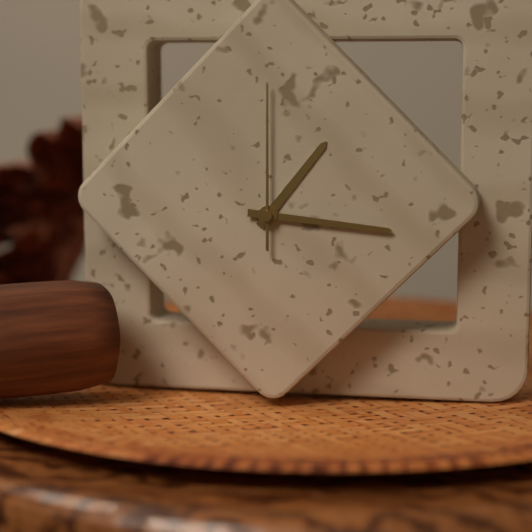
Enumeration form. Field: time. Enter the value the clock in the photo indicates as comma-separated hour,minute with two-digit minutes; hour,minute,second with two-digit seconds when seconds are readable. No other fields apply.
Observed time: 1,16,00
